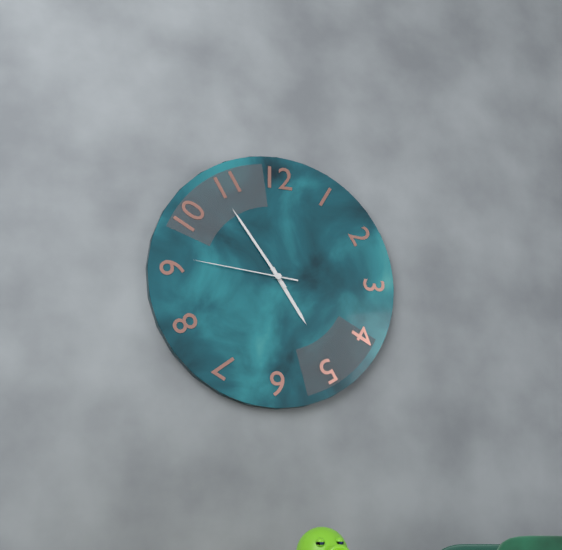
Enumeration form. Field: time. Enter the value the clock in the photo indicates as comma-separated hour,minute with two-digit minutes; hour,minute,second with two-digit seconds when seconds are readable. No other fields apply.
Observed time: 4,54,46
